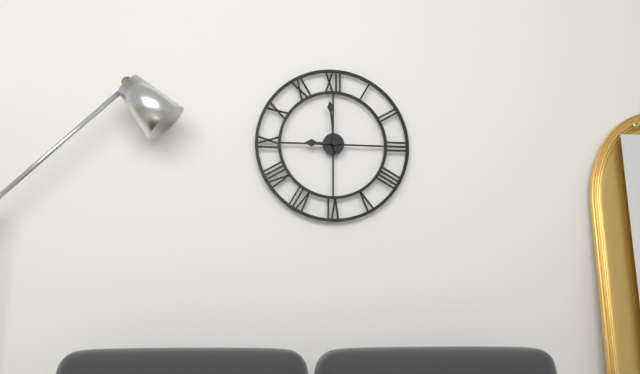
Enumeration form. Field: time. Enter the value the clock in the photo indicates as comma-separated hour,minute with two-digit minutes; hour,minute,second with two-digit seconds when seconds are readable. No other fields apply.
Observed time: 8,59
